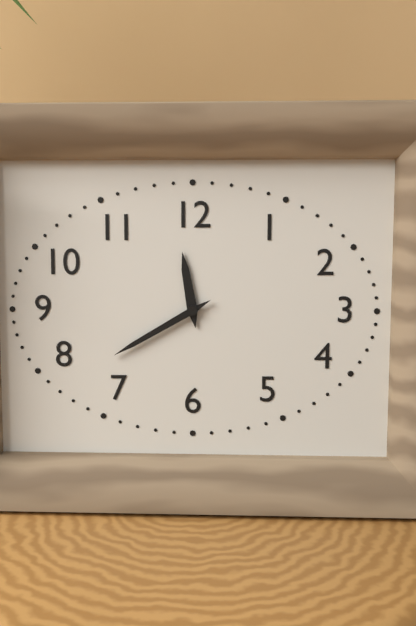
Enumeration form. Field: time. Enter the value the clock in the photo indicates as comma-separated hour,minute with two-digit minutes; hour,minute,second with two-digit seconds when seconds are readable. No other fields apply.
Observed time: 11,40
